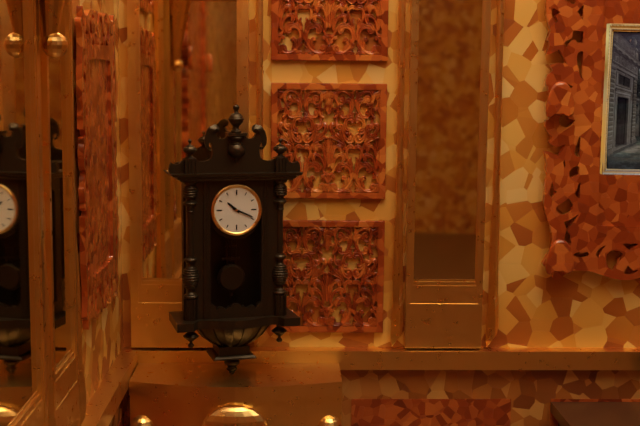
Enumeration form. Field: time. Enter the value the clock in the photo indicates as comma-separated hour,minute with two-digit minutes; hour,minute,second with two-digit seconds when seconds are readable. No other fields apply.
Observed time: 10,19
